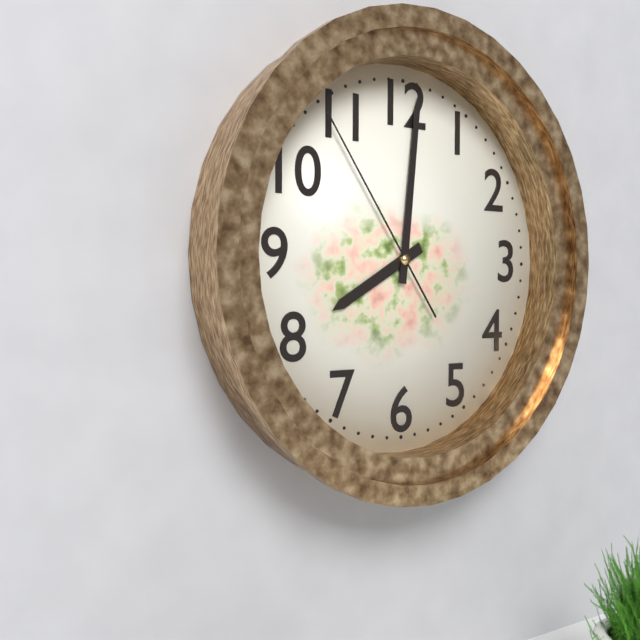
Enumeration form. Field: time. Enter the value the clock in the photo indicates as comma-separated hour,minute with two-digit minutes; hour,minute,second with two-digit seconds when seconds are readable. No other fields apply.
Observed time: 8,01,54
